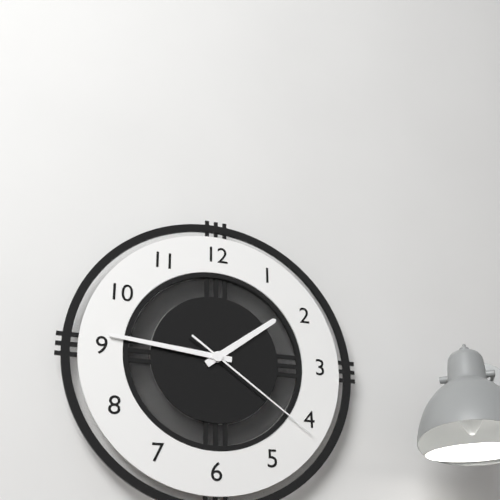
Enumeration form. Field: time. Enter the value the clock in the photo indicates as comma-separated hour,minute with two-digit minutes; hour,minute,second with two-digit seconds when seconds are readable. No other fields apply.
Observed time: 1,46,21
